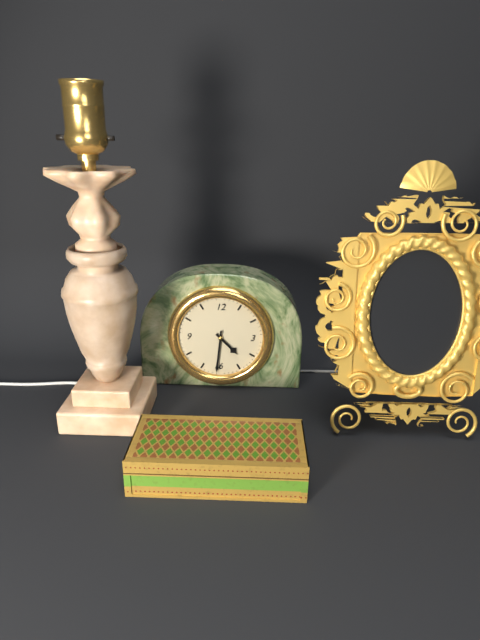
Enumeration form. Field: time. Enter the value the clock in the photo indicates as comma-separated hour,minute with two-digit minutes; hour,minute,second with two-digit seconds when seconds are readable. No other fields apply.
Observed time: 4,31
